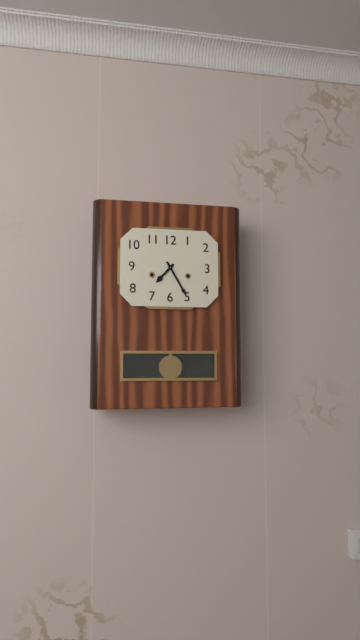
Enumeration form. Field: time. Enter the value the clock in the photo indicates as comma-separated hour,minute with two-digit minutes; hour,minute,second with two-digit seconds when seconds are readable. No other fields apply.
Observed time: 7,25
